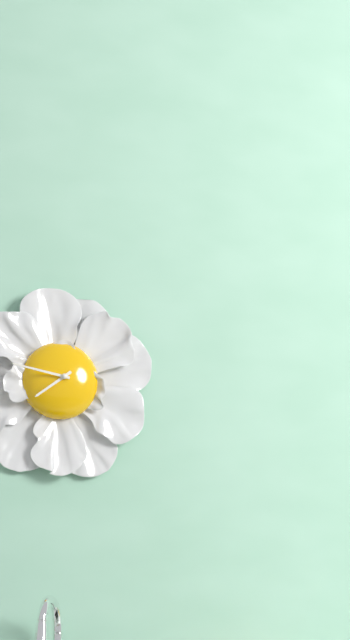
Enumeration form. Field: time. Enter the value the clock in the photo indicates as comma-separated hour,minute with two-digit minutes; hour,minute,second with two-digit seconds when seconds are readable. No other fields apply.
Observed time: 7,47
